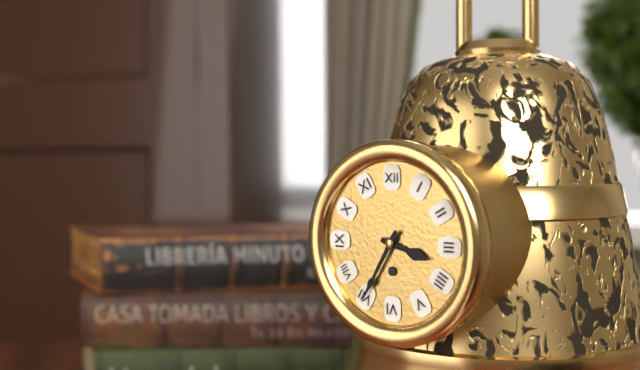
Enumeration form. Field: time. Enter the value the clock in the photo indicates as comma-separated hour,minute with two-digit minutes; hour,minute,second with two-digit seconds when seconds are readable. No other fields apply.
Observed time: 3,35
